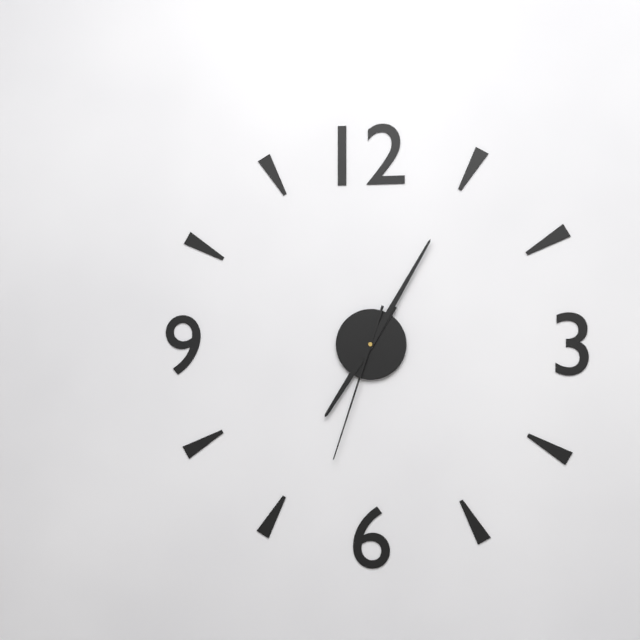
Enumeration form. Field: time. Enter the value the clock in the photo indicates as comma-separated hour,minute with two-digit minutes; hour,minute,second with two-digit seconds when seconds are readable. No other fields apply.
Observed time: 7,05,33
